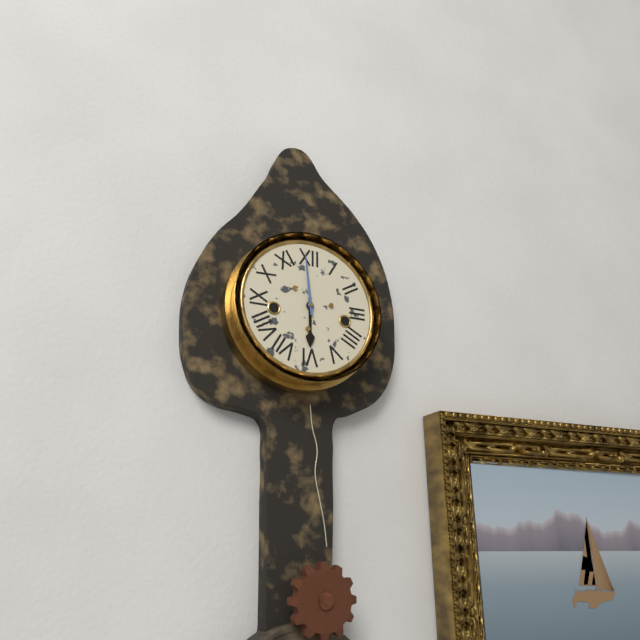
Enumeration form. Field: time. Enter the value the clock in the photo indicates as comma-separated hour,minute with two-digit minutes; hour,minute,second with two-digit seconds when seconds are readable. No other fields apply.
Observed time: 5,59
